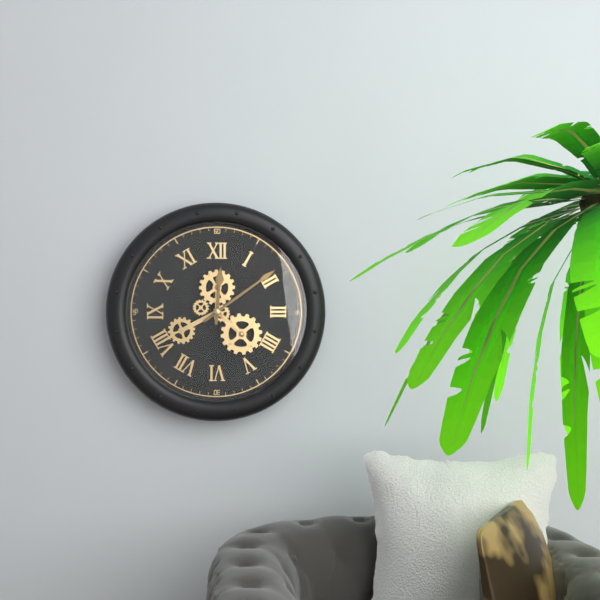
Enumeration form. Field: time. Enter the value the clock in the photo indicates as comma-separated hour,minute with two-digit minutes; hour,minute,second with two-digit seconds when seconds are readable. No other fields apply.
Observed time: 12,09
